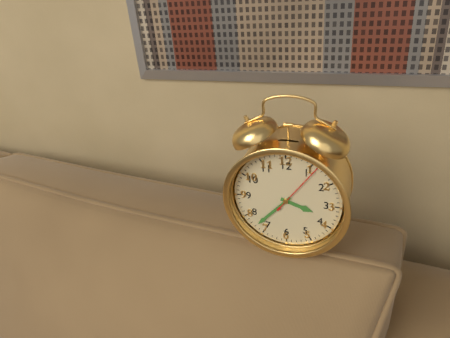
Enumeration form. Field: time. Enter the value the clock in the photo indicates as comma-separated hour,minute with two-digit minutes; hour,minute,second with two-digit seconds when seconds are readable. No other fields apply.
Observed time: 3,37,06
